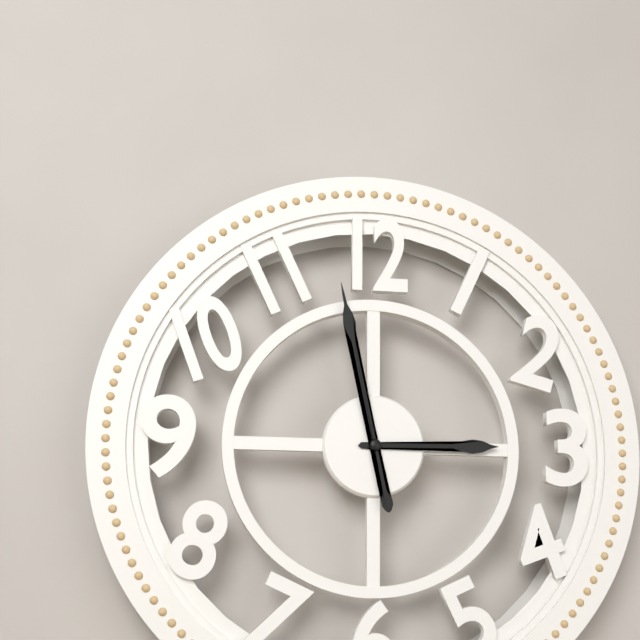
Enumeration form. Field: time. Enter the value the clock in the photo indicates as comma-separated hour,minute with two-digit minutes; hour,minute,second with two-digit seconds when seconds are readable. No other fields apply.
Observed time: 2,58
